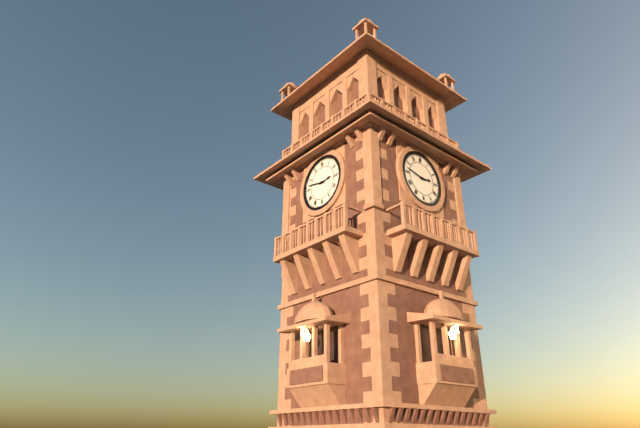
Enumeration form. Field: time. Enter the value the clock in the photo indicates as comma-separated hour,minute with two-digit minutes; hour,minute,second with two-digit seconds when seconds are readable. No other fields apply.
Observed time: 2,47
